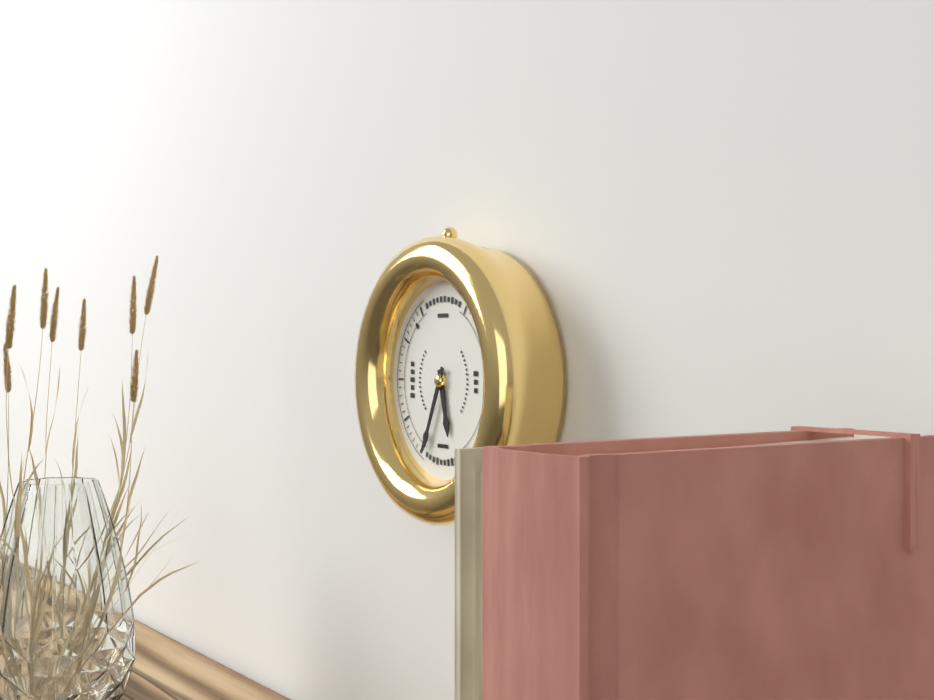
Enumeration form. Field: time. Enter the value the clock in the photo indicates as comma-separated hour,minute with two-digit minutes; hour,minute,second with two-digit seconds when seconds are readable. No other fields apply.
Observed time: 5,34
